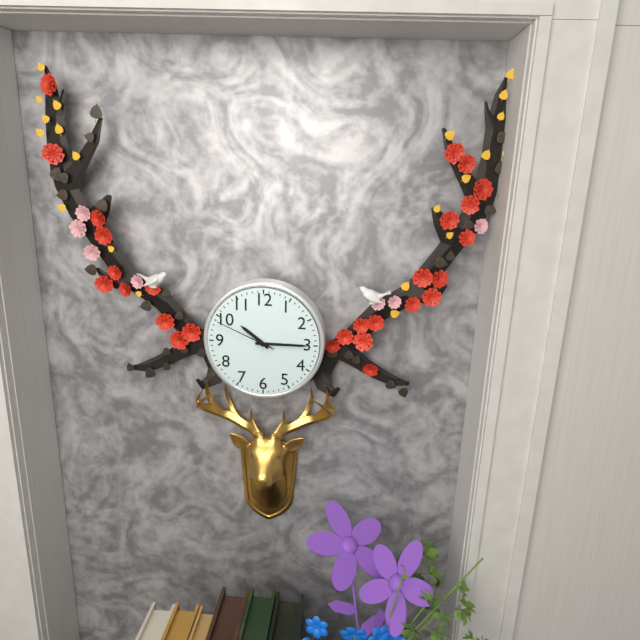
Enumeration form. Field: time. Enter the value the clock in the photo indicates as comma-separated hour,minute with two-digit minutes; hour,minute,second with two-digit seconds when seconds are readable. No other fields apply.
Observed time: 10,15,49
